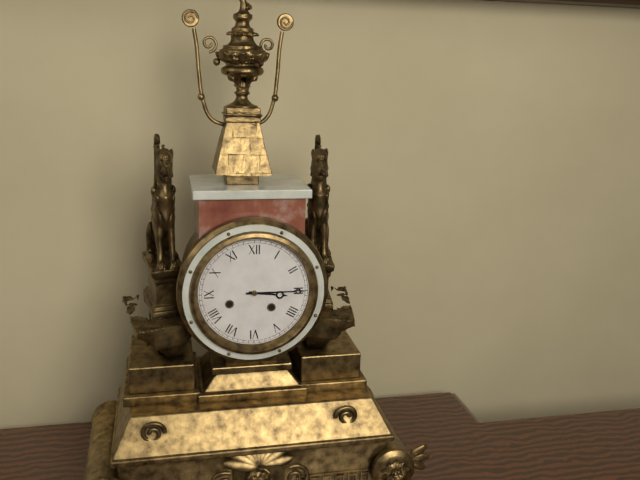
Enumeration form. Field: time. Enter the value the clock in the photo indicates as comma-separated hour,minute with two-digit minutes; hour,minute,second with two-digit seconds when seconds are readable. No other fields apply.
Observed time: 3,15
